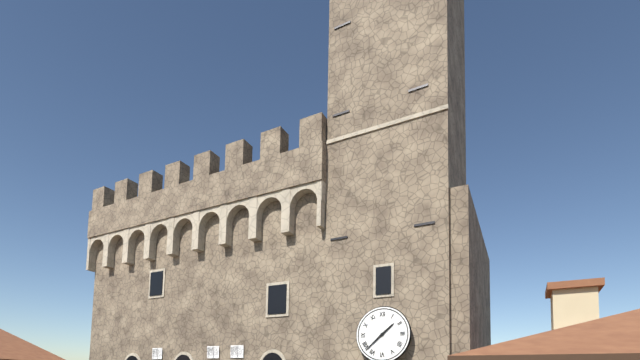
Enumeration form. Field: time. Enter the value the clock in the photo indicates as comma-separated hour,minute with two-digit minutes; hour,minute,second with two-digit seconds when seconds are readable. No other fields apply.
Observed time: 1,38
